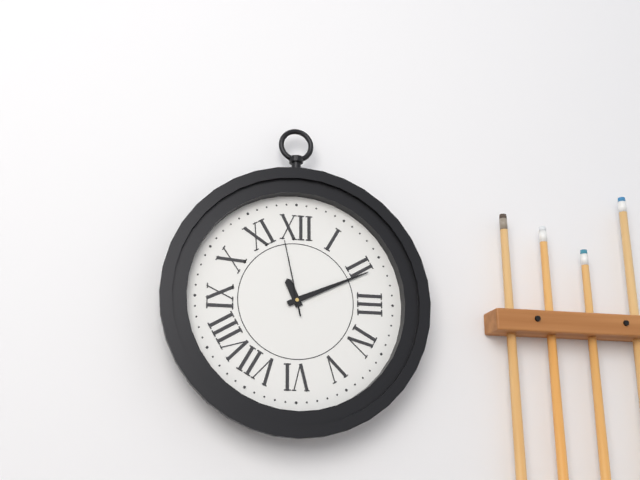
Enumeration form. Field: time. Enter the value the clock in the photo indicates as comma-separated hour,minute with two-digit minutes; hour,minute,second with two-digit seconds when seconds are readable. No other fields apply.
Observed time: 11,11,58
